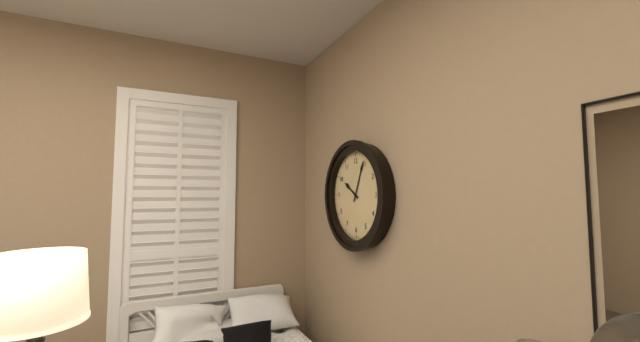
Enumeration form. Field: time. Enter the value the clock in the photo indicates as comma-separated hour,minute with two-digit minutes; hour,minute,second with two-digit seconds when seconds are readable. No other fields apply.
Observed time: 10,04
